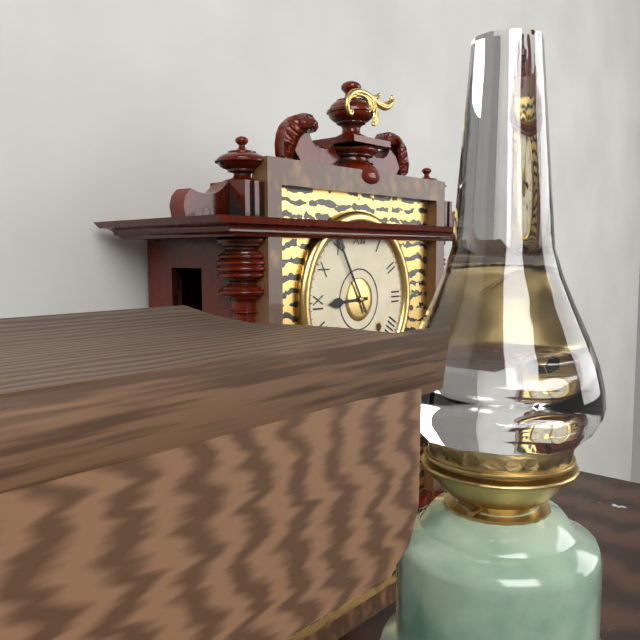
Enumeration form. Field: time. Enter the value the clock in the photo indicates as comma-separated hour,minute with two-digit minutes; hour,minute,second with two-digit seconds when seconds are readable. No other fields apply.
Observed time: 8,55
